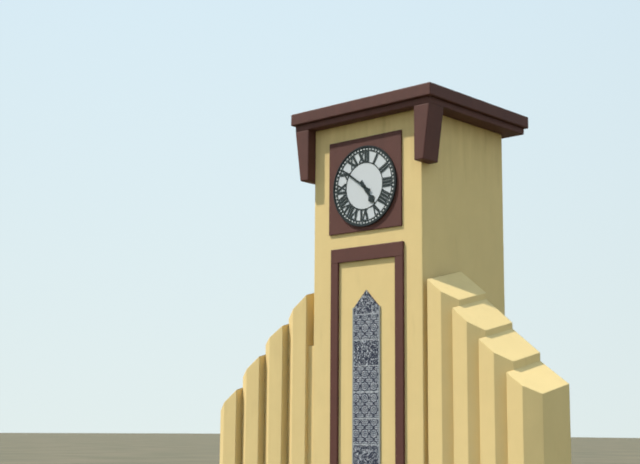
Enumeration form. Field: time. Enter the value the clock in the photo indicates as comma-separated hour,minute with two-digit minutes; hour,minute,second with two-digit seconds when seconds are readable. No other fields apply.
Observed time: 4,51
